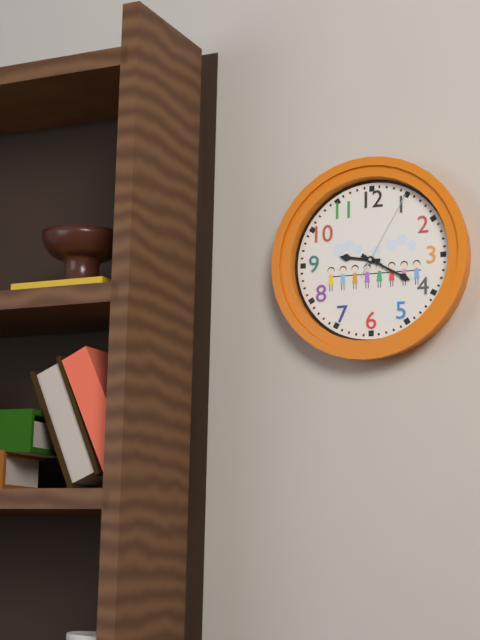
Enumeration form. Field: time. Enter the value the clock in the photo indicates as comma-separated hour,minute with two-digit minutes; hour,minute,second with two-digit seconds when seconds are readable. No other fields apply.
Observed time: 9,20,05
